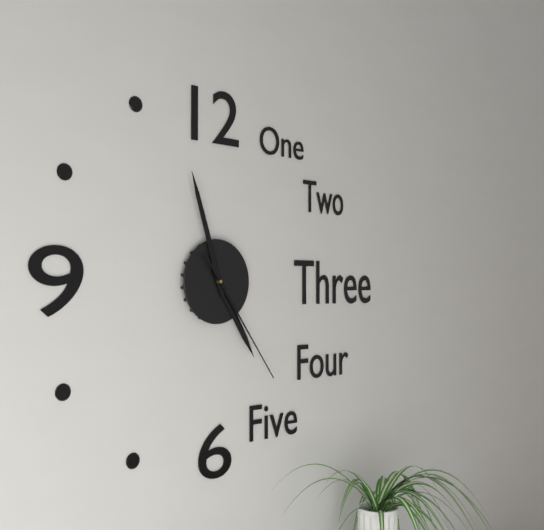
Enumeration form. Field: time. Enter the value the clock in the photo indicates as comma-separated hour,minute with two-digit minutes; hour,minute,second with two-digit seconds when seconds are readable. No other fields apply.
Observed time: 4,57,24
